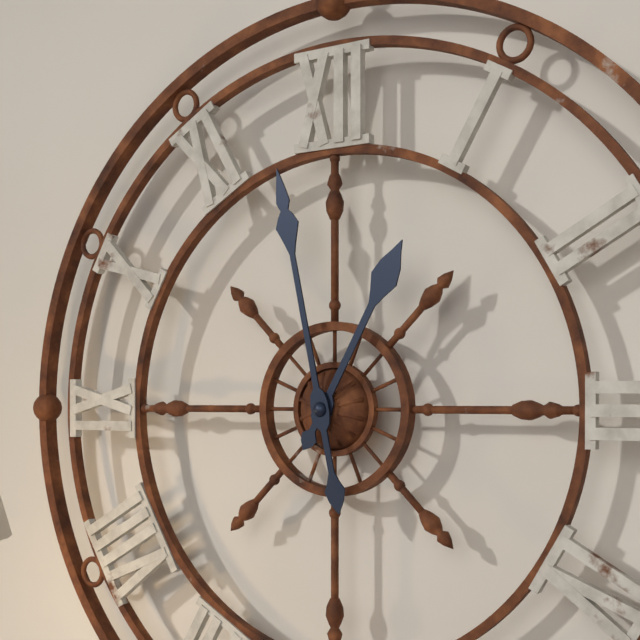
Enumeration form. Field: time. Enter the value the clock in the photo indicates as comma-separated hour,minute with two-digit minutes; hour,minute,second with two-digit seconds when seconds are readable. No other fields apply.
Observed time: 12,58
